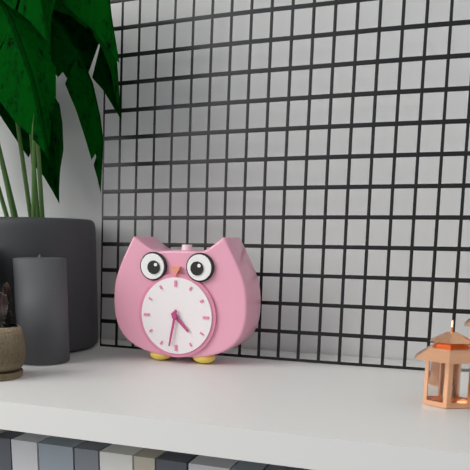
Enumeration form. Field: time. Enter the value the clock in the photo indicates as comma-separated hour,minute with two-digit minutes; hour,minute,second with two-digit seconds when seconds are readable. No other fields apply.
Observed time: 4,32
